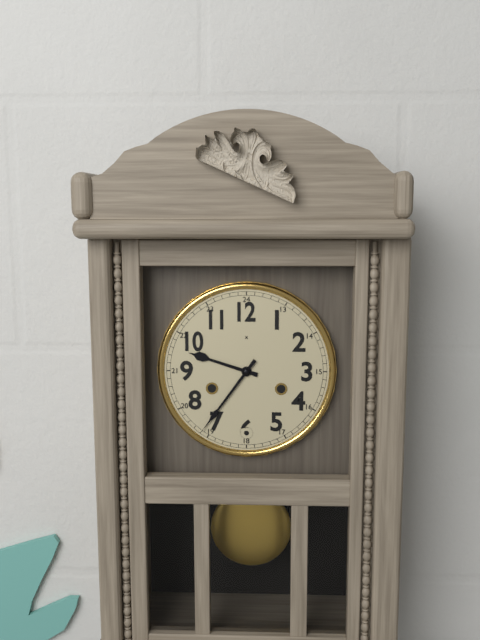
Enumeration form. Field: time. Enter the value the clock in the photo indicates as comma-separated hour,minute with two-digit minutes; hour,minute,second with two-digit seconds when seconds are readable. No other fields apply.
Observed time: 9,36
